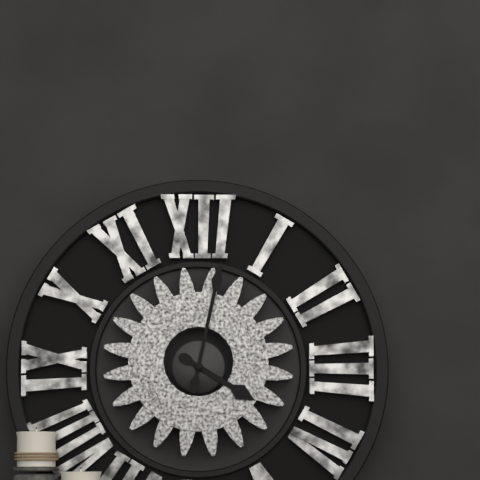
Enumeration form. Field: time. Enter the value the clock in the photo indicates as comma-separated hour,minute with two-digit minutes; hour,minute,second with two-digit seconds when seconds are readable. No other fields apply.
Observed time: 4,02
